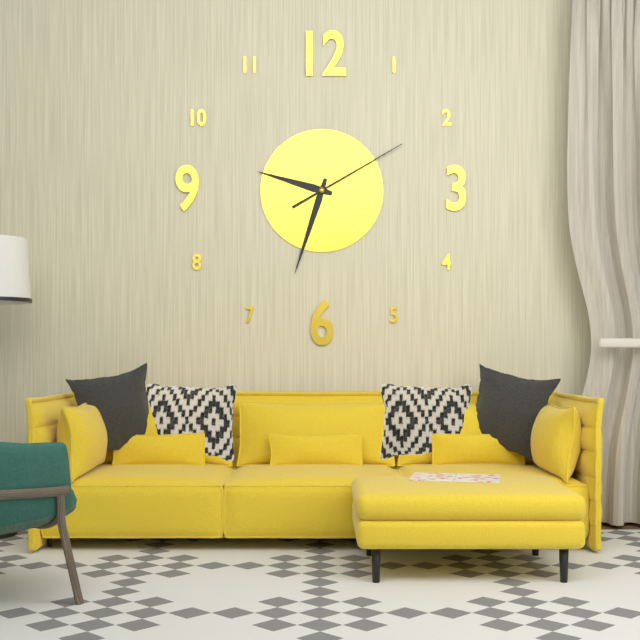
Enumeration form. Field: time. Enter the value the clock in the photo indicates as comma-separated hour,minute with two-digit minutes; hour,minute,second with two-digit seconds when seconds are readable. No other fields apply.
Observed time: 9,33,10
